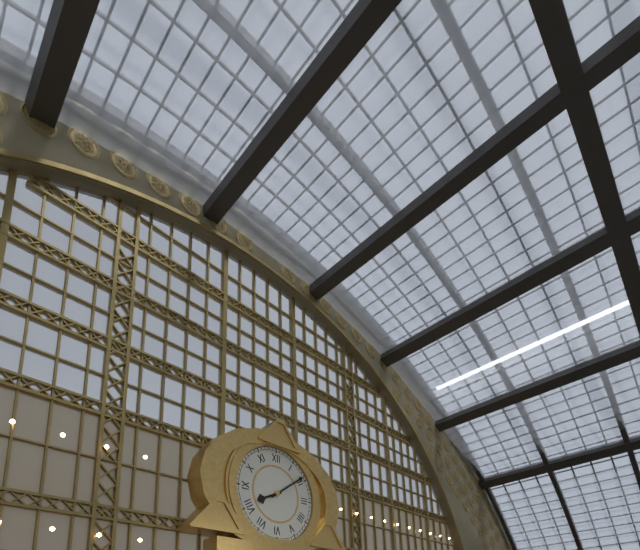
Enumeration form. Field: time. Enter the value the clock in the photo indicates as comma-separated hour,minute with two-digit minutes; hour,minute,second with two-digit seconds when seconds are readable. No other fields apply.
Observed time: 8,09
